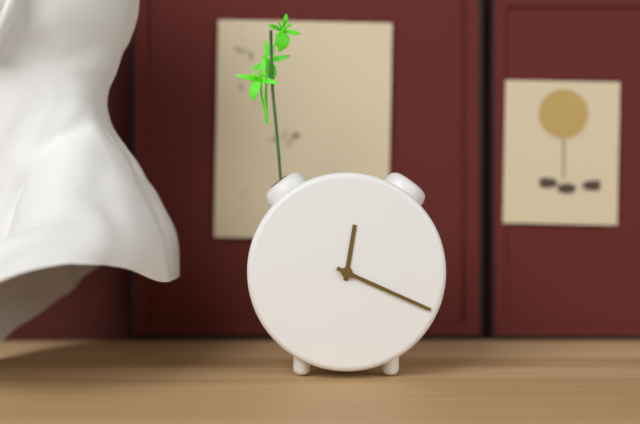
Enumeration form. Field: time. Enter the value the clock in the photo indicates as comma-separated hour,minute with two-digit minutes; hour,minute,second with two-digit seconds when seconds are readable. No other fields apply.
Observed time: 12,19
